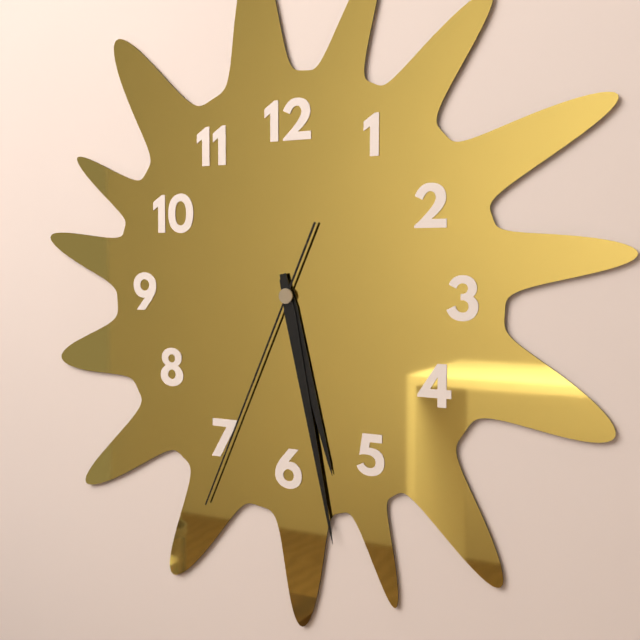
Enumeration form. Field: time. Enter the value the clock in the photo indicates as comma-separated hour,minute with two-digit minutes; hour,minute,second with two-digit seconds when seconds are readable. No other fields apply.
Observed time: 5,28,34
